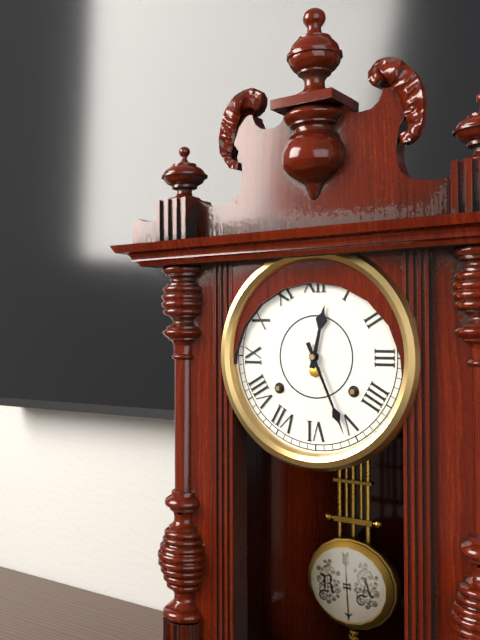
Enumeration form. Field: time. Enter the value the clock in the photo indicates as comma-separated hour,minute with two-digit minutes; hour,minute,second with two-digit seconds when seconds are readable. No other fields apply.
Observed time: 12,26
